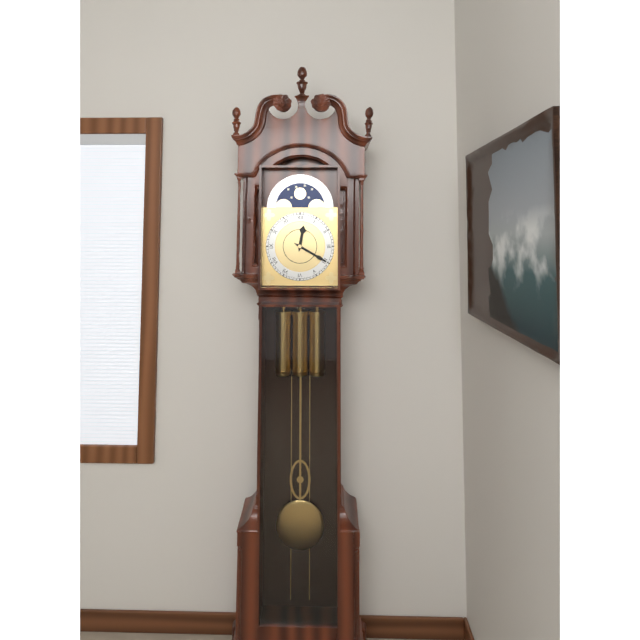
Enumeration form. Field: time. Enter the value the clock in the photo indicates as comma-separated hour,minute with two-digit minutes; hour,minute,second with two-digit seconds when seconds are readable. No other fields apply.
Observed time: 12,20
